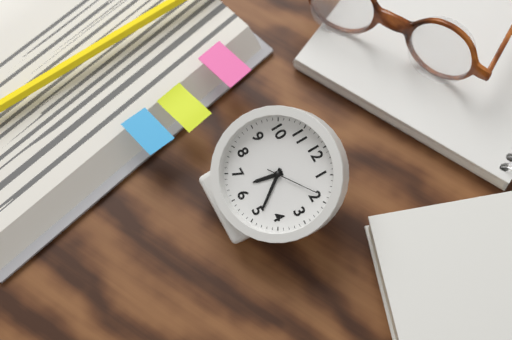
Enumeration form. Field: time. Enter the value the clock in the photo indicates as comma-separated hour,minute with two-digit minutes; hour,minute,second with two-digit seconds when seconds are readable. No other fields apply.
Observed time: 6,24,09
